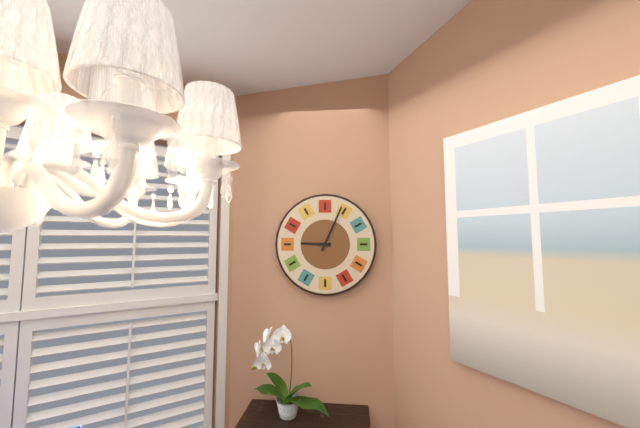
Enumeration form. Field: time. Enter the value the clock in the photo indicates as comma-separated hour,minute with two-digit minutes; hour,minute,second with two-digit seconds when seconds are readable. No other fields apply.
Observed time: 9,04
